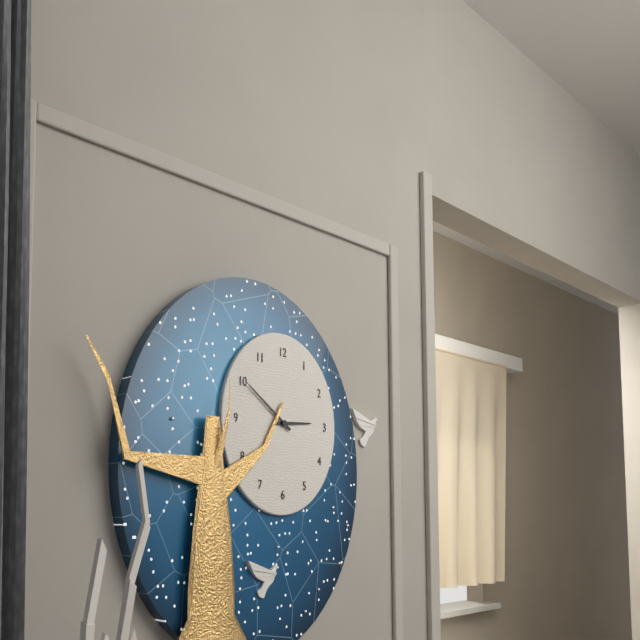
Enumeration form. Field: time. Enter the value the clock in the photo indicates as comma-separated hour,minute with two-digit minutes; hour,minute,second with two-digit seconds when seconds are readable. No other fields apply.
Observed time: 2,51
